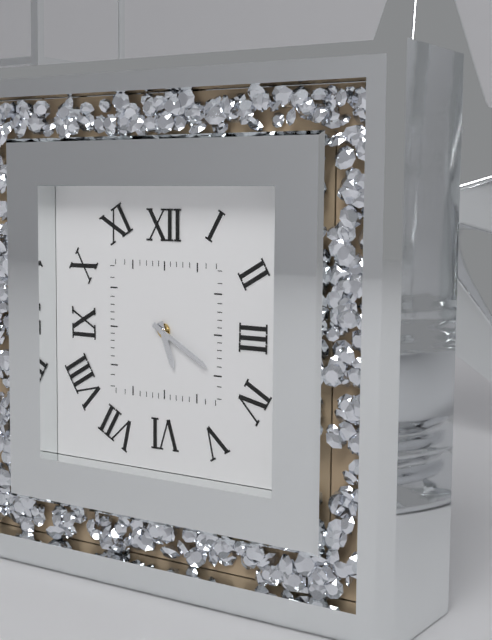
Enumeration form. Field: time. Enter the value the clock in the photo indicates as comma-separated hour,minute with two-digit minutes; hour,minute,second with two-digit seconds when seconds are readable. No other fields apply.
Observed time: 5,20
